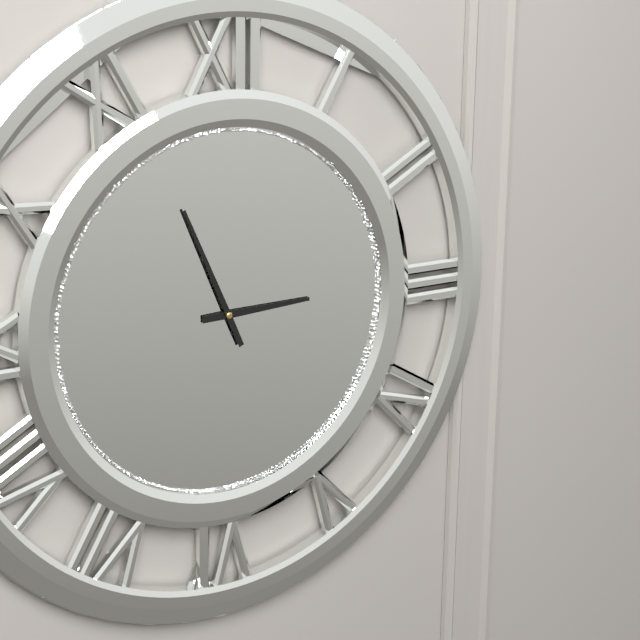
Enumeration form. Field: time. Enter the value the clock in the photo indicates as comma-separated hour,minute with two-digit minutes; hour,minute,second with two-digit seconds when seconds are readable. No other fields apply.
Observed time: 2,56
